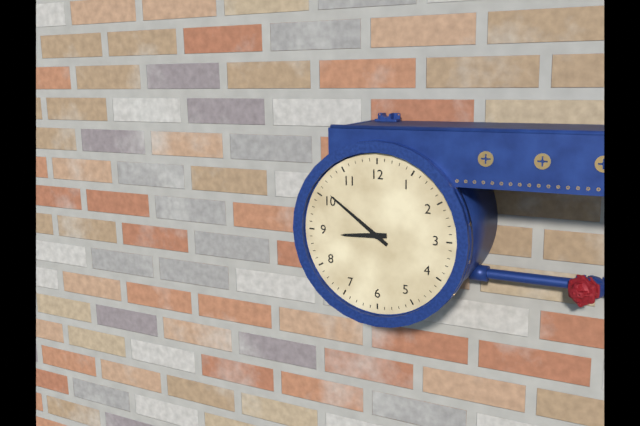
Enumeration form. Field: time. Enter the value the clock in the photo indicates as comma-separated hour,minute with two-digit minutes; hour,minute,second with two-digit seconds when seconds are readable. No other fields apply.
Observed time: 8,51
